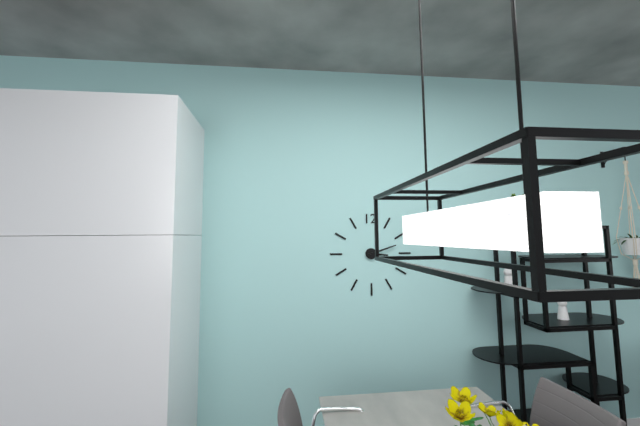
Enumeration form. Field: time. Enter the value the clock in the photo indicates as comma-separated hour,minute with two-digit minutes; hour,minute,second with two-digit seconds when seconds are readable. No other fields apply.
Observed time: 3,12
